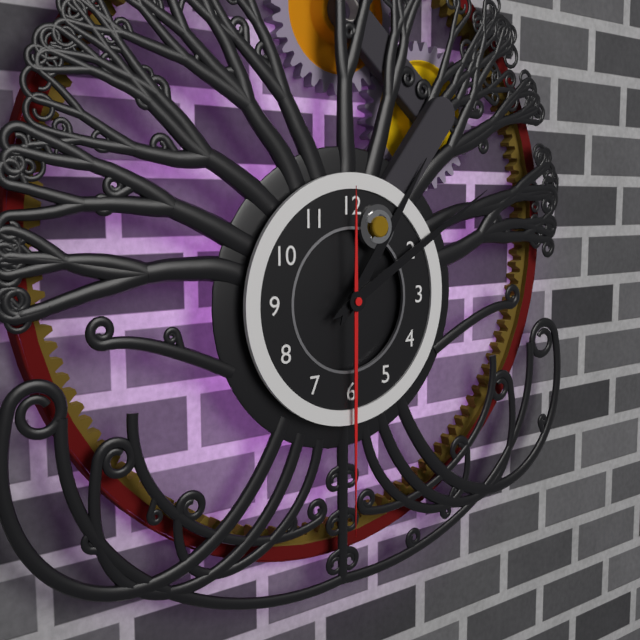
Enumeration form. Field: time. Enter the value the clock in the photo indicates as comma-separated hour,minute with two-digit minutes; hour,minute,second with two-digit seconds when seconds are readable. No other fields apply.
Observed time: 1,10,30
